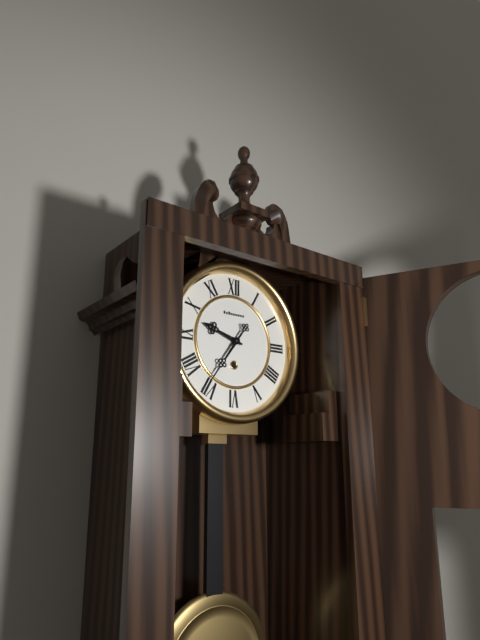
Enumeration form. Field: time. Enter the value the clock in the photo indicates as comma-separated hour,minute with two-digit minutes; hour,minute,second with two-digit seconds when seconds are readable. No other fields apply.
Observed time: 9,36
